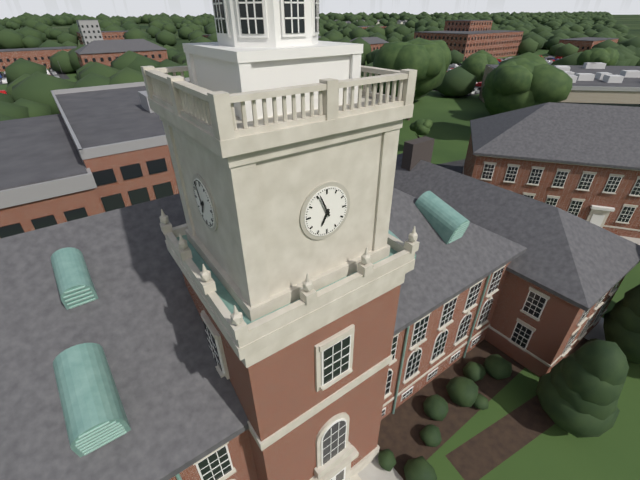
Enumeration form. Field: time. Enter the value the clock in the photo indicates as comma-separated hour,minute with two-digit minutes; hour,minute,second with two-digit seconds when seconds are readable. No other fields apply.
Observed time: 6,56
